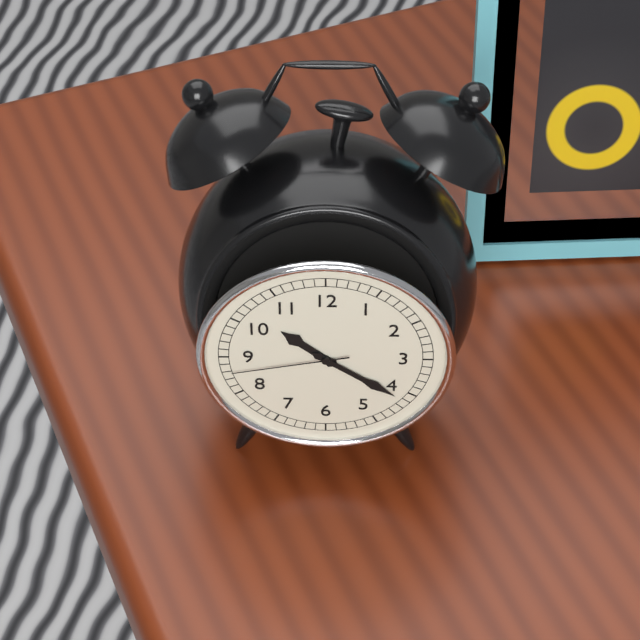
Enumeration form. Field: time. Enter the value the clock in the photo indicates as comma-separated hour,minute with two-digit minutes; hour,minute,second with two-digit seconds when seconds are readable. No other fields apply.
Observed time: 10,21,43
